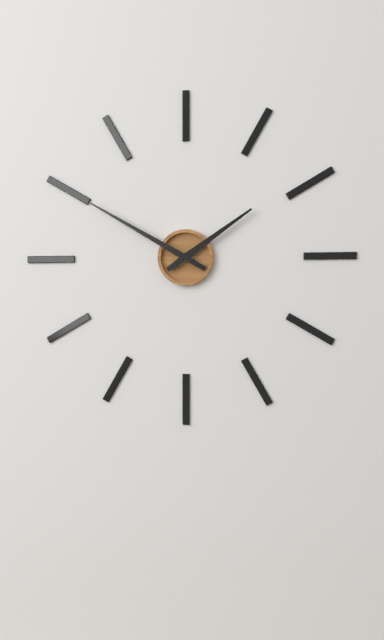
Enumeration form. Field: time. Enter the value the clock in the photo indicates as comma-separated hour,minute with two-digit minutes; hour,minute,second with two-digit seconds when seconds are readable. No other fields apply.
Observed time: 1,50
